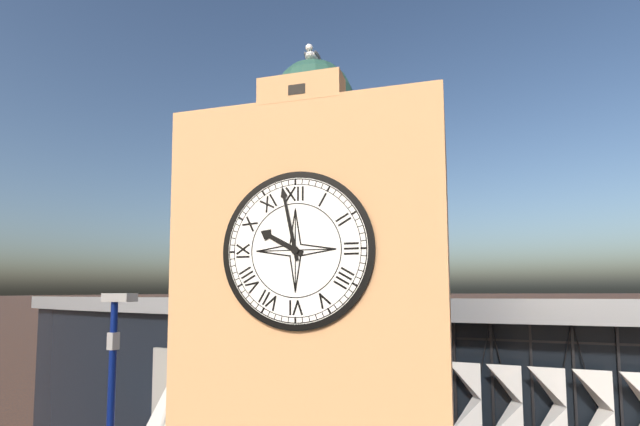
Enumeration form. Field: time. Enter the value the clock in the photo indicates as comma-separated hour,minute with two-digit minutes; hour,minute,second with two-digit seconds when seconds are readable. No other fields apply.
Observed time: 9,58
